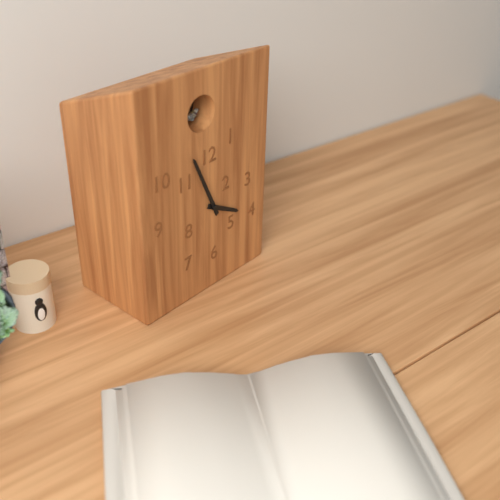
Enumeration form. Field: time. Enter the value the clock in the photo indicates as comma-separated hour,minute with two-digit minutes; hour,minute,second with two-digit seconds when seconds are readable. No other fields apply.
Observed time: 3,56
